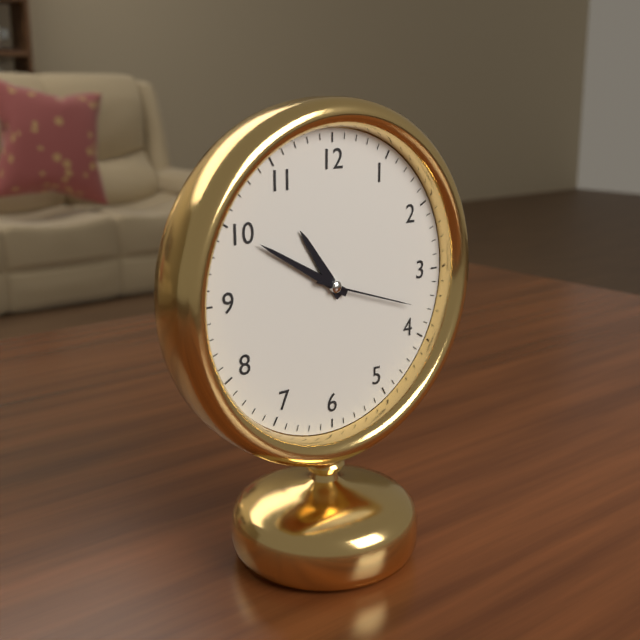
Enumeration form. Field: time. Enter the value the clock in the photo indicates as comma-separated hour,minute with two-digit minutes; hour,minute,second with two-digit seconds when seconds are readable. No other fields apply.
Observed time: 10,50,18
